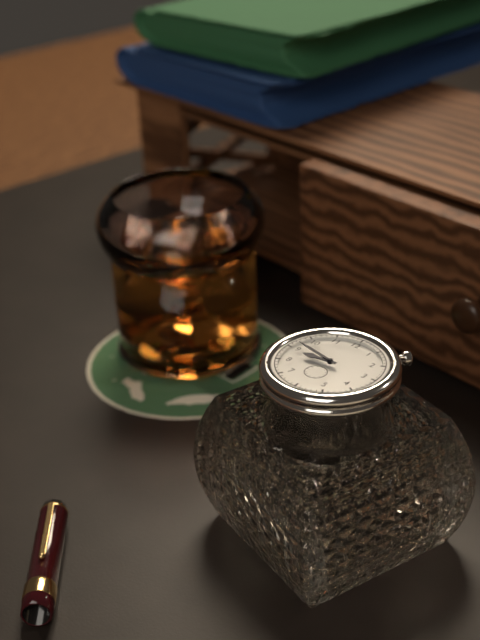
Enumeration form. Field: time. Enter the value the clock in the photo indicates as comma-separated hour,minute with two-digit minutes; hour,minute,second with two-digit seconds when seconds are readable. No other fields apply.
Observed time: 8,47
